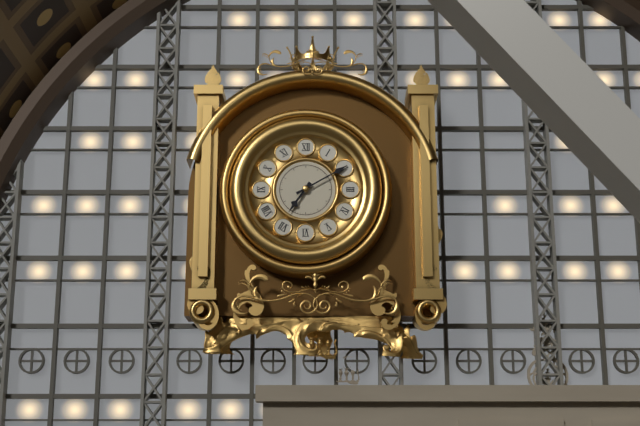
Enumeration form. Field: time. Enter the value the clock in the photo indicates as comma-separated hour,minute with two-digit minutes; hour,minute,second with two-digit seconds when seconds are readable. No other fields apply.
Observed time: 7,10
